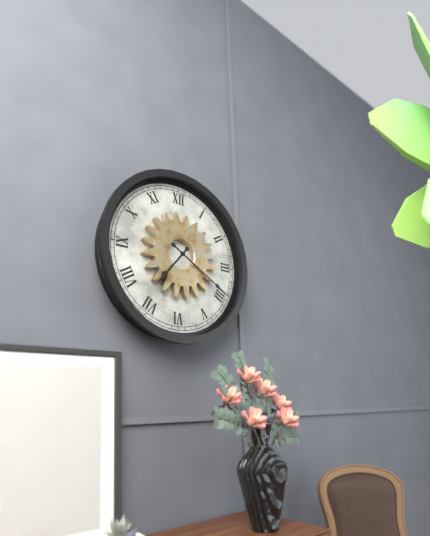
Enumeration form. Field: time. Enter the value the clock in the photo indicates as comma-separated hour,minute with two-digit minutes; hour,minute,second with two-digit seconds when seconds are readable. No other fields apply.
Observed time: 7,20
